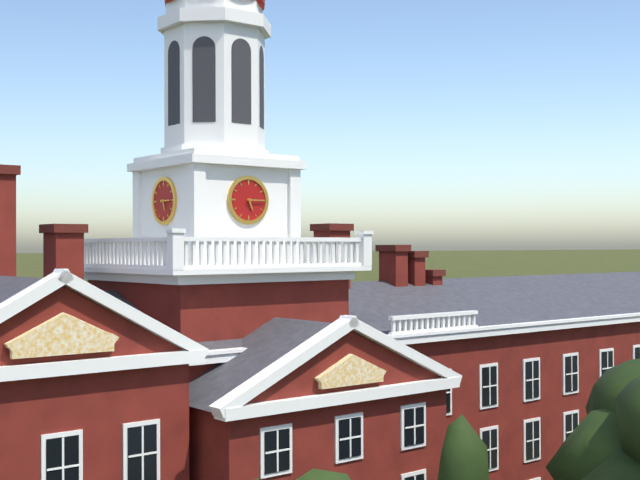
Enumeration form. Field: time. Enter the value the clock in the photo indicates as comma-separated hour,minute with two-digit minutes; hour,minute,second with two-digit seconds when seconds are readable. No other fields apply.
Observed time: 5,15
